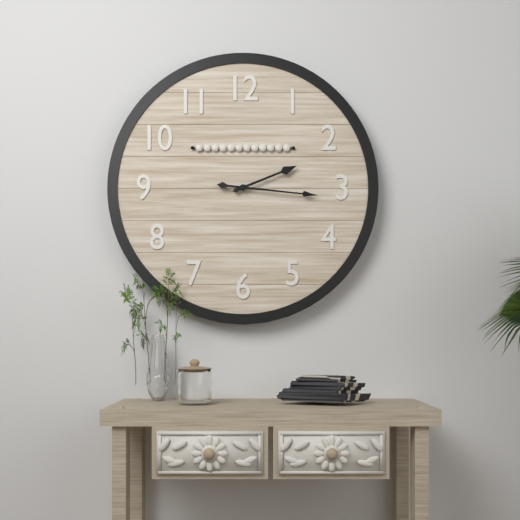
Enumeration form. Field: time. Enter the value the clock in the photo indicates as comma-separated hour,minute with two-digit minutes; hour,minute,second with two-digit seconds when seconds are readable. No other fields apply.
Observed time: 2,16
